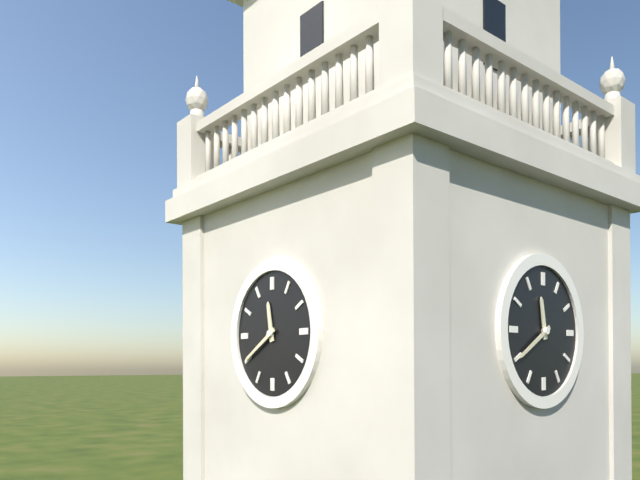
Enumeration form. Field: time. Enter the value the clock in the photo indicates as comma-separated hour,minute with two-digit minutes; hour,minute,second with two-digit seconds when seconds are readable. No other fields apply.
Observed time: 11,40
